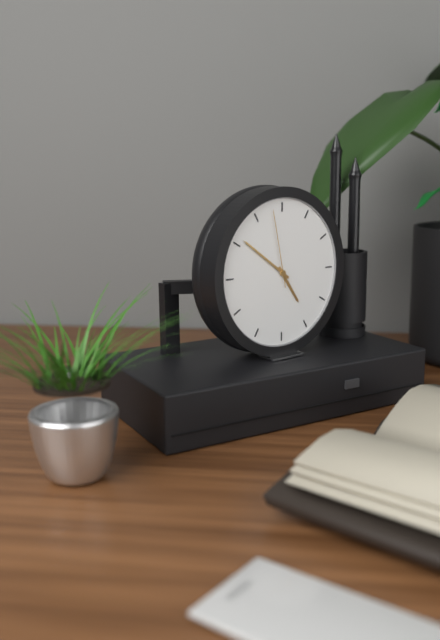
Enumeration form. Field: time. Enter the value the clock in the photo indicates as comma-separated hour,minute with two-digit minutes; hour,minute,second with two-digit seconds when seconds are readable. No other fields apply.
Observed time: 4,51,58
